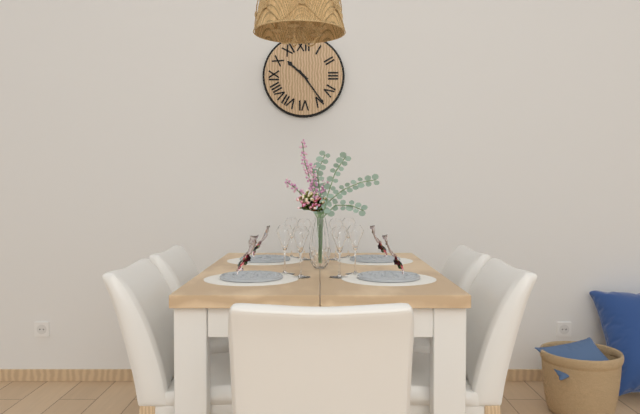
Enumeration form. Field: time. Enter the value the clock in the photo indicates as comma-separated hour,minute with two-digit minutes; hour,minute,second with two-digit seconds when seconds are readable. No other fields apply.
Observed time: 10,24
